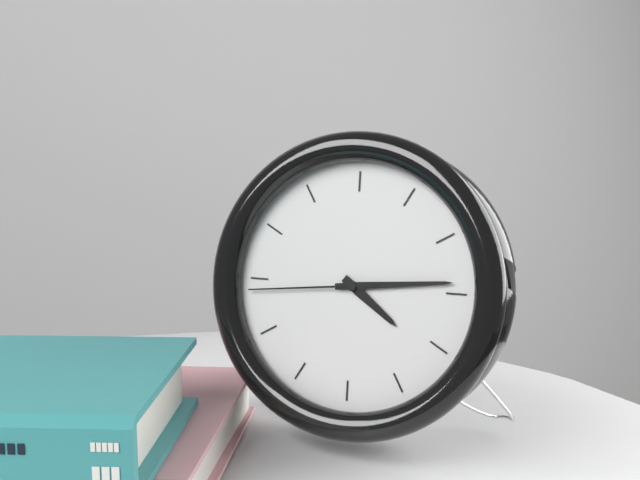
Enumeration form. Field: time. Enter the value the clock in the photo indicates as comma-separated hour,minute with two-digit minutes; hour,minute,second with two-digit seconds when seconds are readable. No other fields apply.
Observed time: 4,14,44
